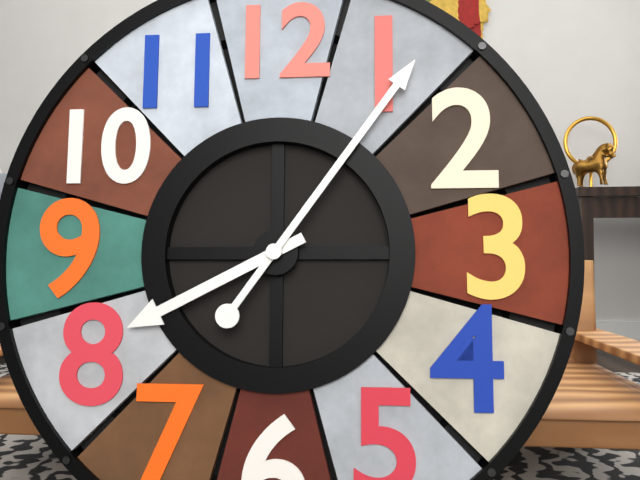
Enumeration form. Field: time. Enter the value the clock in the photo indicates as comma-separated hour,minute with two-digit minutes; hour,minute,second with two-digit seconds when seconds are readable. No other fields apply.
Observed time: 8,06
